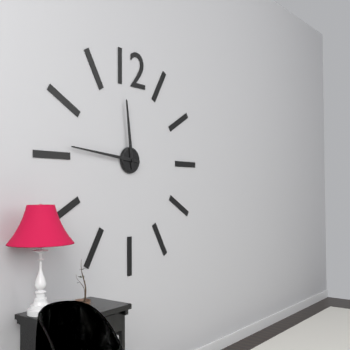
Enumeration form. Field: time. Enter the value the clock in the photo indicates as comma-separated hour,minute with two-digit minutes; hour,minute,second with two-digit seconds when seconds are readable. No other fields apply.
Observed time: 11,46
